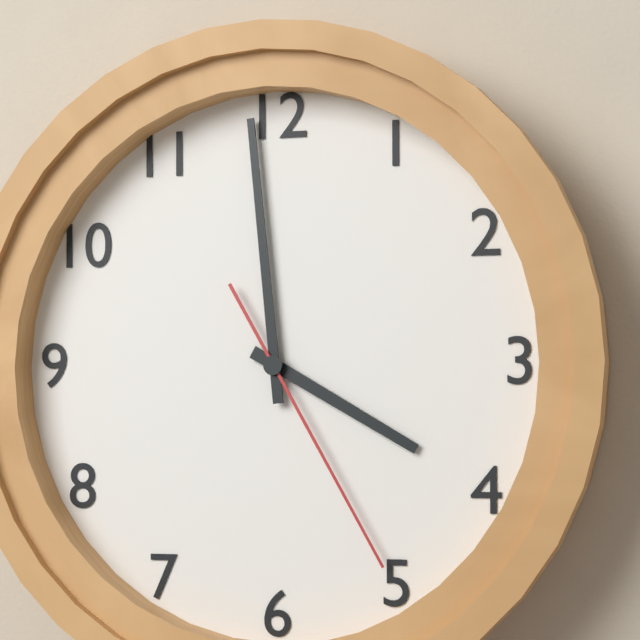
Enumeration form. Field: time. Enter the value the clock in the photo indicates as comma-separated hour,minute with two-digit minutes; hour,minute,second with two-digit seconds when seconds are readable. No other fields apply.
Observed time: 3,59,25
